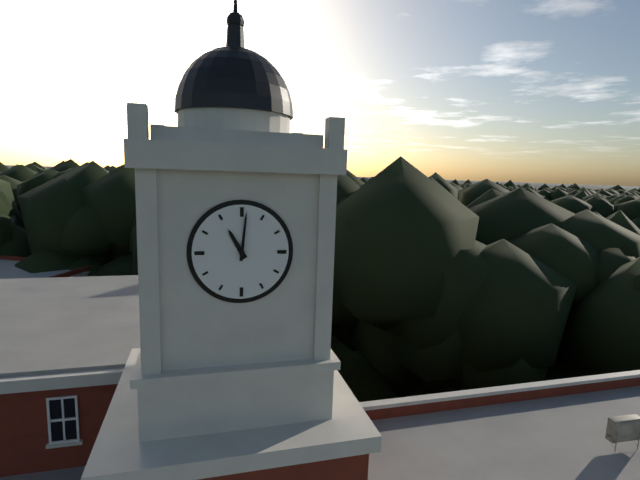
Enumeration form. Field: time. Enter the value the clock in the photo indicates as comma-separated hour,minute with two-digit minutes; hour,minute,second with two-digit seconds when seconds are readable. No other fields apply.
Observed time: 11,01
